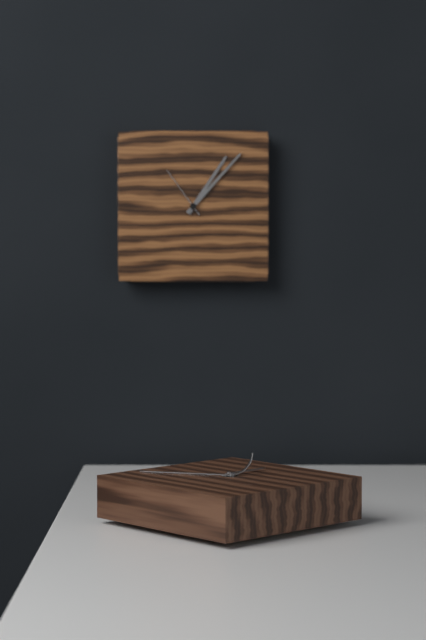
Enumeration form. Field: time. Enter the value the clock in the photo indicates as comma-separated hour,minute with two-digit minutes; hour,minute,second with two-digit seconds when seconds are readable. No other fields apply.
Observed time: 1,07,54
